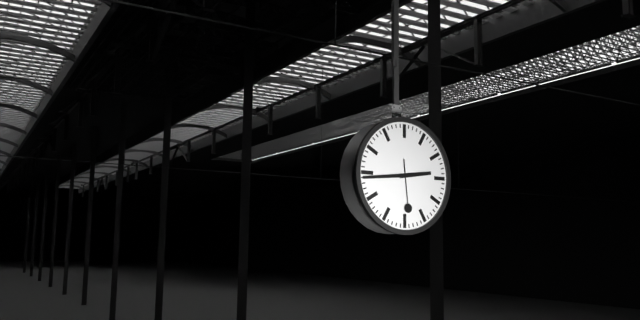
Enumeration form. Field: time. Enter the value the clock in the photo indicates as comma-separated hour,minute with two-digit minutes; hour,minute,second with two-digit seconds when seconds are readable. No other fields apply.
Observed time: 2,44
